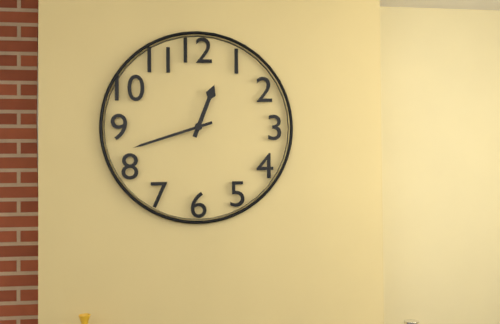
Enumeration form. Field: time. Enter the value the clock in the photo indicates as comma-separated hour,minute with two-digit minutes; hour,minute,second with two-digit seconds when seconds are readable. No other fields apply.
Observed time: 12,42
